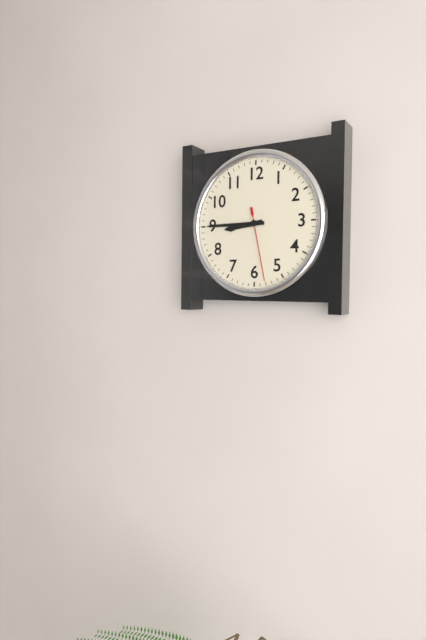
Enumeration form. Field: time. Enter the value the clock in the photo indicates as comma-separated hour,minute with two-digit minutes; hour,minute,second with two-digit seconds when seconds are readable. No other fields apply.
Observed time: 8,45,28
